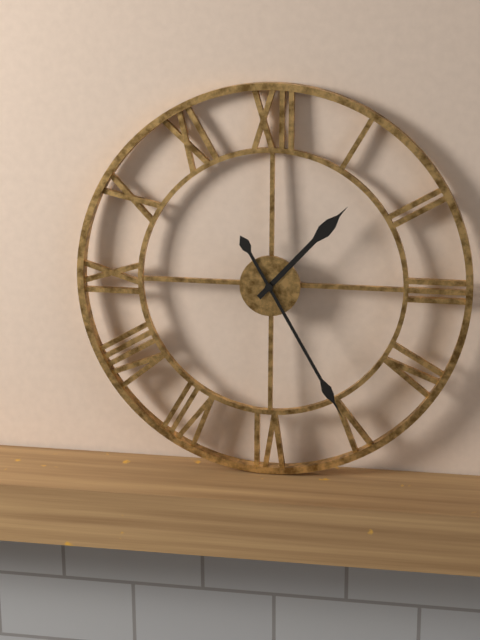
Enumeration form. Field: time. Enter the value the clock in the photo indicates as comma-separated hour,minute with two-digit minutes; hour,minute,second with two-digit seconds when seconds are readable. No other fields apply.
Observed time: 1,25
